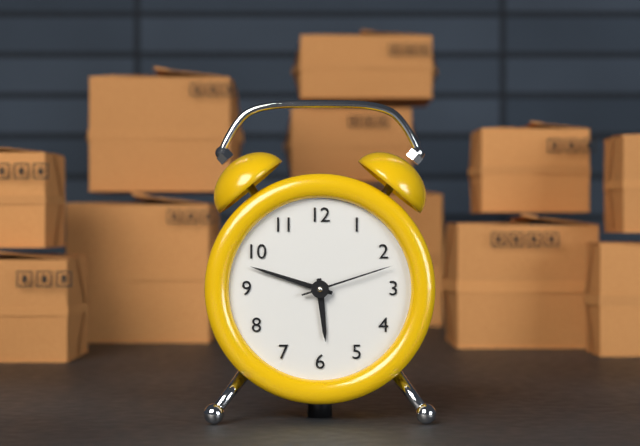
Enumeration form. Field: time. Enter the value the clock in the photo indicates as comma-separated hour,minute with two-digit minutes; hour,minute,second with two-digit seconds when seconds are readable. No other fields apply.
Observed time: 5,48,12
